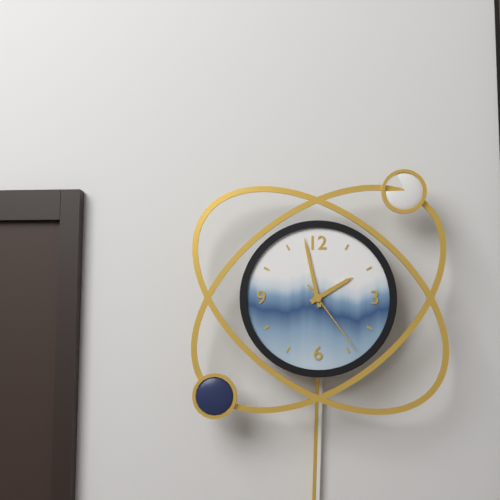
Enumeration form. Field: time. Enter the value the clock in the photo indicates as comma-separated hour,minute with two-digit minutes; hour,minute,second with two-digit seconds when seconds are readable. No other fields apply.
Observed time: 1,58,24
